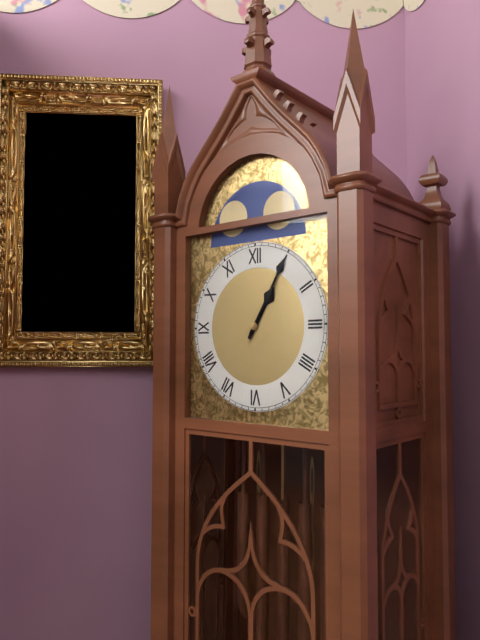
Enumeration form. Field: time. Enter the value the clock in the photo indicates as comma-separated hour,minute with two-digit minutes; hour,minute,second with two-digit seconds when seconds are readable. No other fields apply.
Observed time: 1,05
